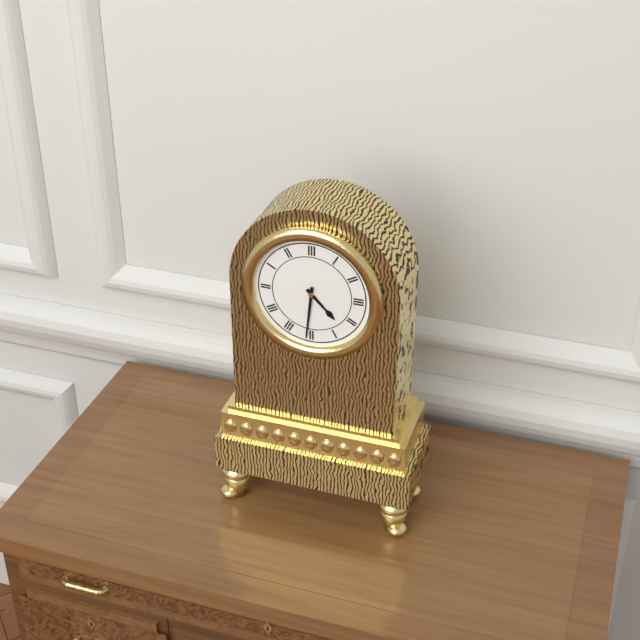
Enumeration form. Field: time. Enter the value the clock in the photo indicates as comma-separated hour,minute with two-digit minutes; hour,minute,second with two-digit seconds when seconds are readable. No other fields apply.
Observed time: 4,31
